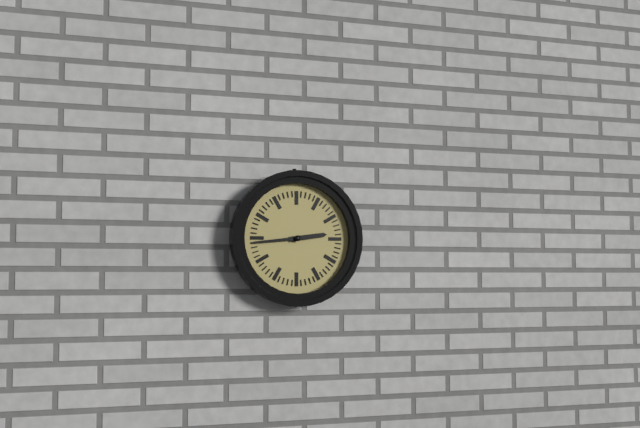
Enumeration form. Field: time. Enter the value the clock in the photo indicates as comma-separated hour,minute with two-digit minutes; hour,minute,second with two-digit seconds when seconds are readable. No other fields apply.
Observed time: 2,44
